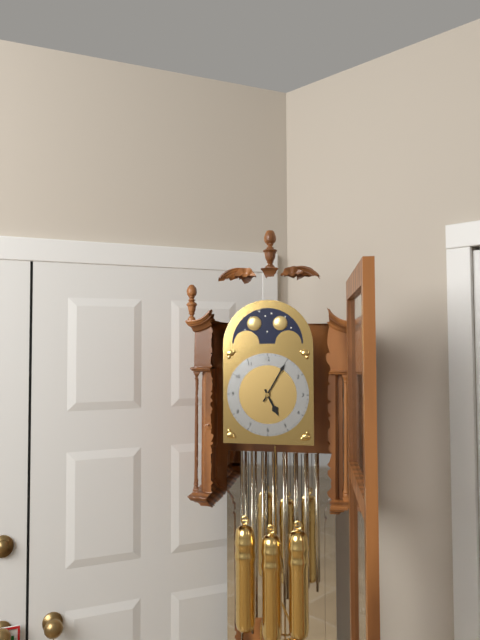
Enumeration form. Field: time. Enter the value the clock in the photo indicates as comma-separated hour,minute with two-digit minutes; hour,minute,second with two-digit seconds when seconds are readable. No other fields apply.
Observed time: 5,05
